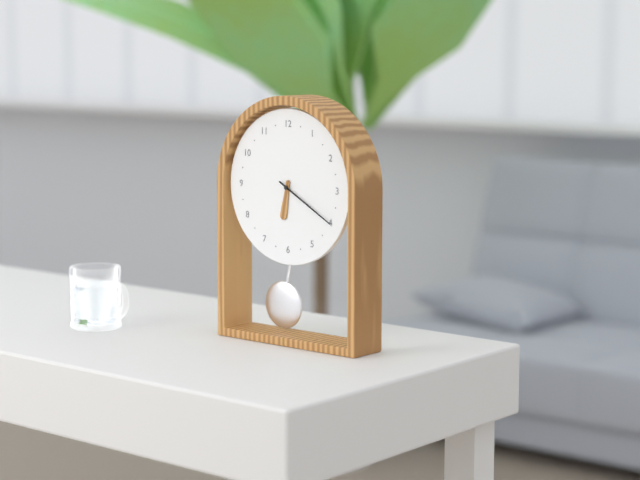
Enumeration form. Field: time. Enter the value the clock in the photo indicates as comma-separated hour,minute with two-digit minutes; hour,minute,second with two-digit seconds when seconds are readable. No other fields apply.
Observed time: 6,20
